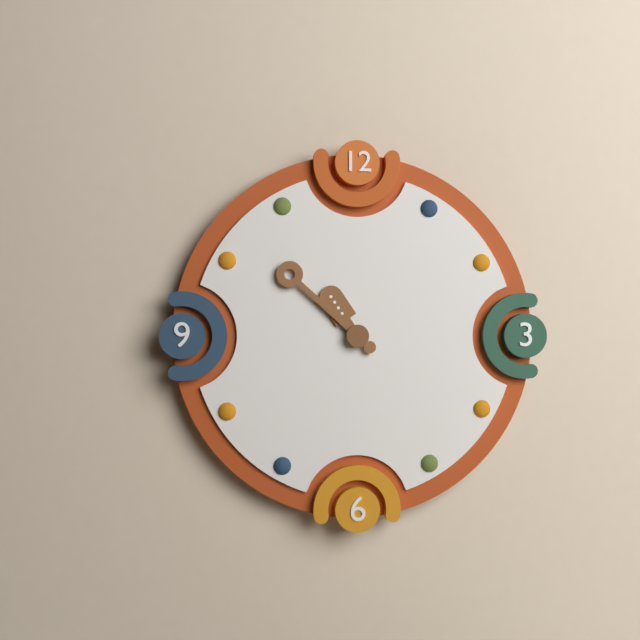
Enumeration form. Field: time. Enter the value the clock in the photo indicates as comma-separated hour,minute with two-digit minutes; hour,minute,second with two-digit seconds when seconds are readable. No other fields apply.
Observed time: 10,52
